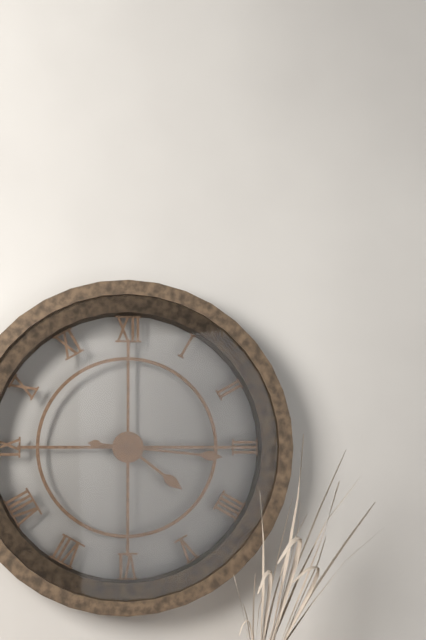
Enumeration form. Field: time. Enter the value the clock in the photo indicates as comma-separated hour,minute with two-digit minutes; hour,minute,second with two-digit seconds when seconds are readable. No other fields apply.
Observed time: 4,16
